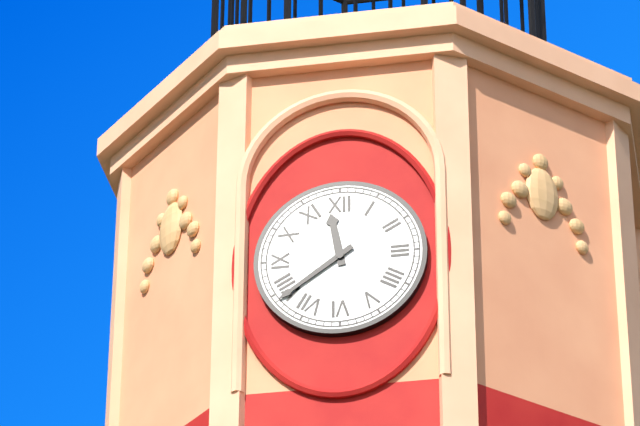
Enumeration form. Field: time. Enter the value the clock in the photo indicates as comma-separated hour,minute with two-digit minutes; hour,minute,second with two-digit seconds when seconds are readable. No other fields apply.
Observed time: 11,39
